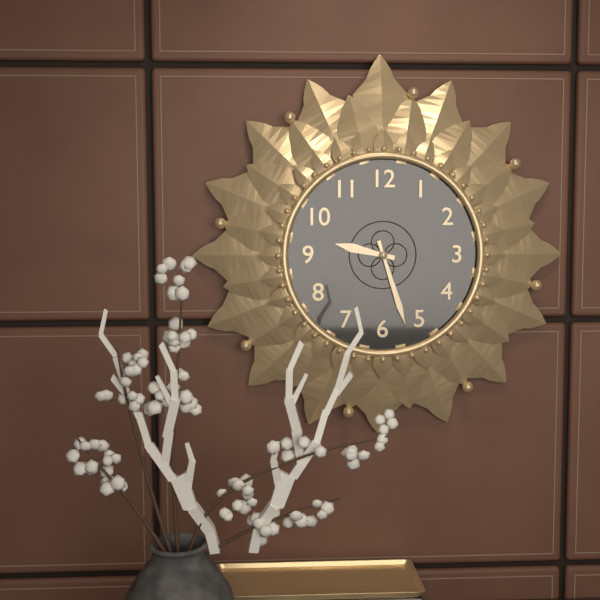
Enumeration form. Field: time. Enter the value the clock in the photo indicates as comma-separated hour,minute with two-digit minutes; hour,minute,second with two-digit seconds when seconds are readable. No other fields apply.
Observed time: 9,27
